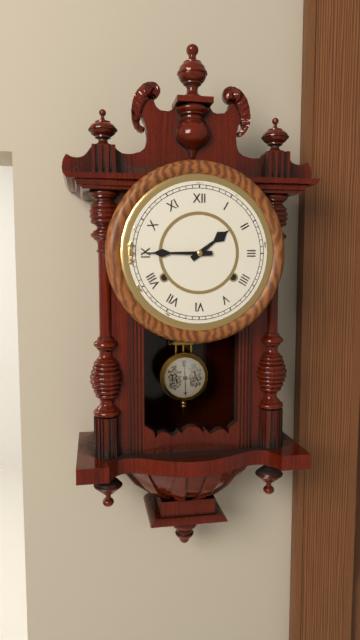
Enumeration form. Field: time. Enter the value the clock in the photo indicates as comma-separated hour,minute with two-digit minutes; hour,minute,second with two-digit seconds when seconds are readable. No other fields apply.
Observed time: 1,45
